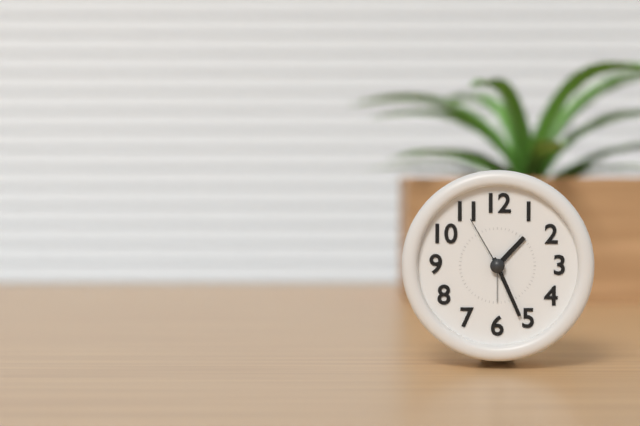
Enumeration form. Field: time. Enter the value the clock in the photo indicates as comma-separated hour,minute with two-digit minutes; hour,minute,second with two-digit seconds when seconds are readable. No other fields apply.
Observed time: 1,26,55
